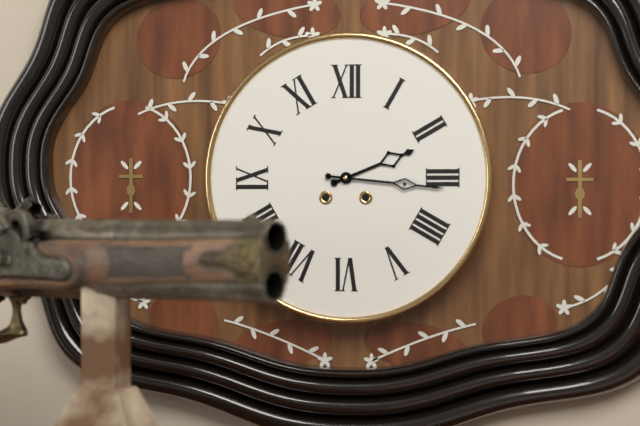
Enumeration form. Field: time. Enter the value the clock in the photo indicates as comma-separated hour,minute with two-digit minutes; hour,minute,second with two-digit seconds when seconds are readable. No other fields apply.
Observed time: 2,16
